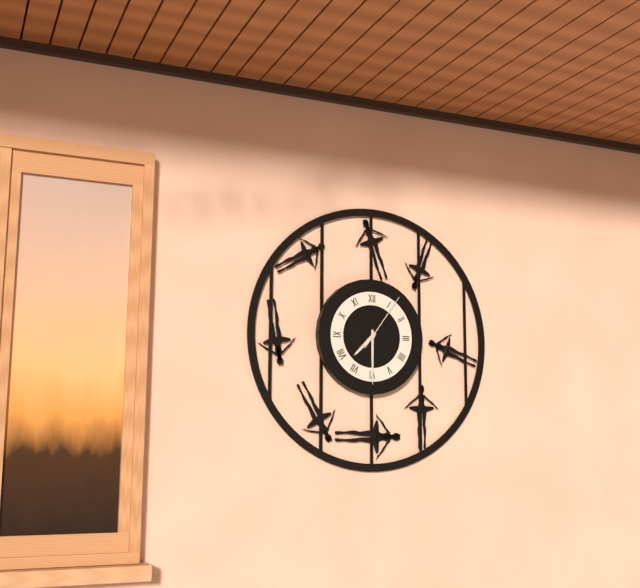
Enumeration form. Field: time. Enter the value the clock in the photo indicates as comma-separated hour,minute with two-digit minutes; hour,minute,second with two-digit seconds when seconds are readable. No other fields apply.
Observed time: 7,30,06
